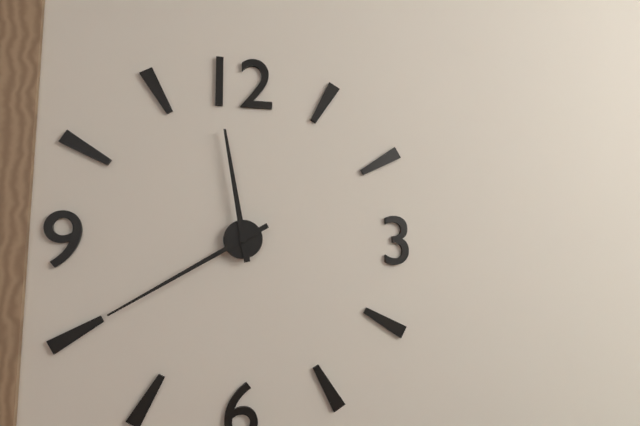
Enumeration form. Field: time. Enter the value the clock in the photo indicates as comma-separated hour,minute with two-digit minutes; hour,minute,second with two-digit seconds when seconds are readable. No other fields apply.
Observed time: 11,40
